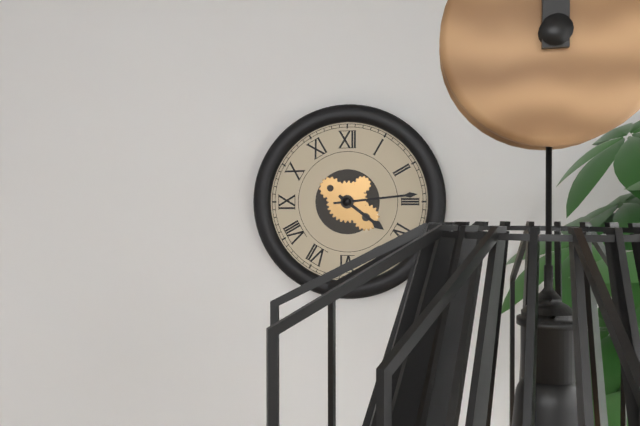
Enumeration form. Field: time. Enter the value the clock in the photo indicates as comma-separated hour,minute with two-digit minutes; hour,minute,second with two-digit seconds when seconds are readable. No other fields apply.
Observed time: 4,14
